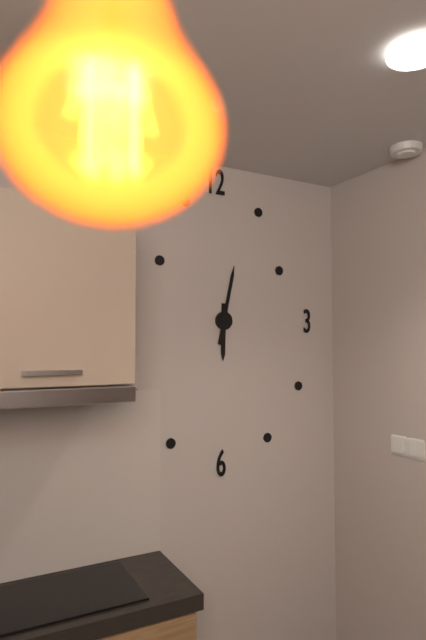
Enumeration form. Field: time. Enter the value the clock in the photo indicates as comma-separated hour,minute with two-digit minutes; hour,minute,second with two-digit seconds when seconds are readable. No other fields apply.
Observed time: 6,02
